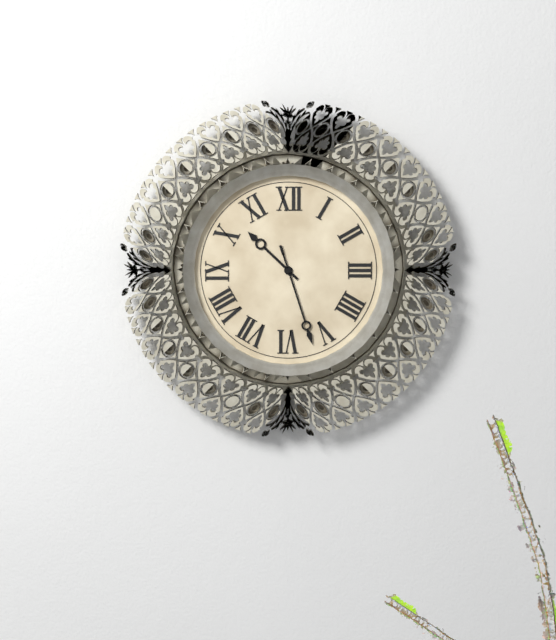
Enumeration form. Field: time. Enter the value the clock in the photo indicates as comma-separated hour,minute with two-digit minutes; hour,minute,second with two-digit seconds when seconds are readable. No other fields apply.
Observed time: 10,27
